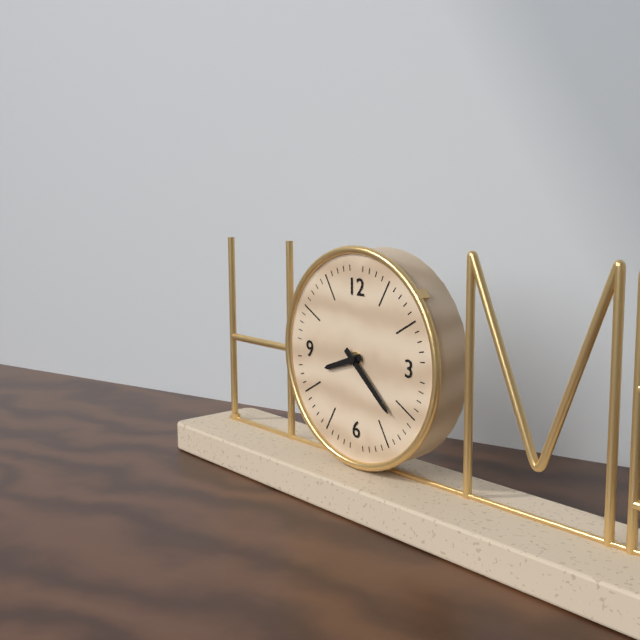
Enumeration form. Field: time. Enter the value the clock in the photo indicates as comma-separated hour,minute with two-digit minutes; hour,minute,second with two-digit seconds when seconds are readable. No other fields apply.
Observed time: 8,22
